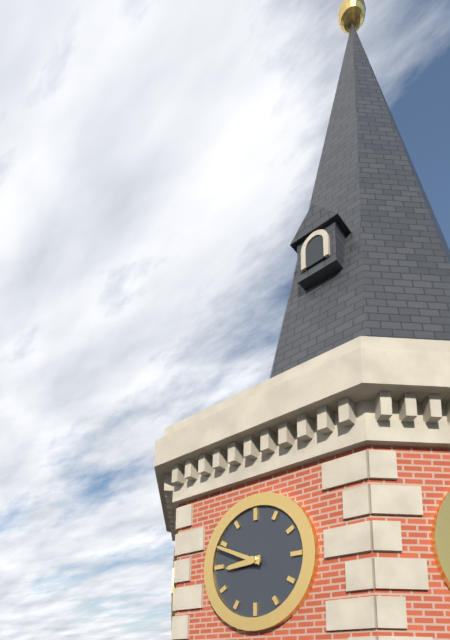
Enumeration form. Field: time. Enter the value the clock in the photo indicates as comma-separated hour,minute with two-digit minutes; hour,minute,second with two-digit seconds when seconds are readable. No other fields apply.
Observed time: 8,49
